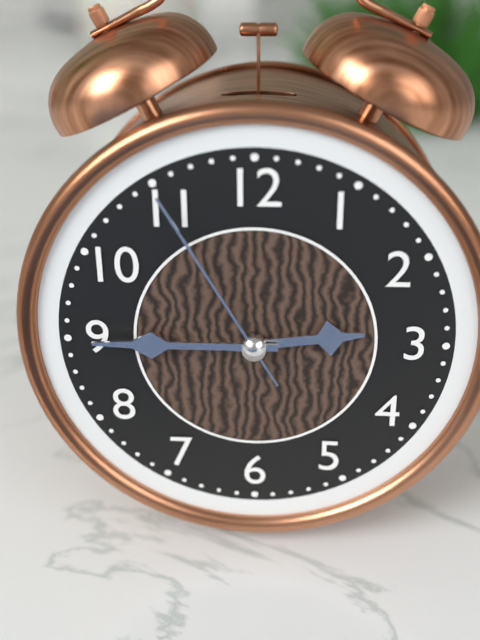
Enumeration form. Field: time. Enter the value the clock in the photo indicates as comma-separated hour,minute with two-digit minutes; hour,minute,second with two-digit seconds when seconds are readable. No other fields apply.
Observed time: 2,45,55
